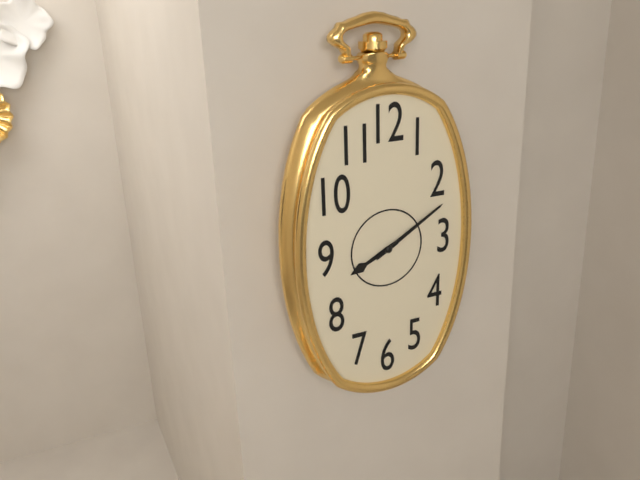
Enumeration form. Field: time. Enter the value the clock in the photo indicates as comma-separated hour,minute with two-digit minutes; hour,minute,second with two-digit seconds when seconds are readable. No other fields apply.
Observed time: 8,10
